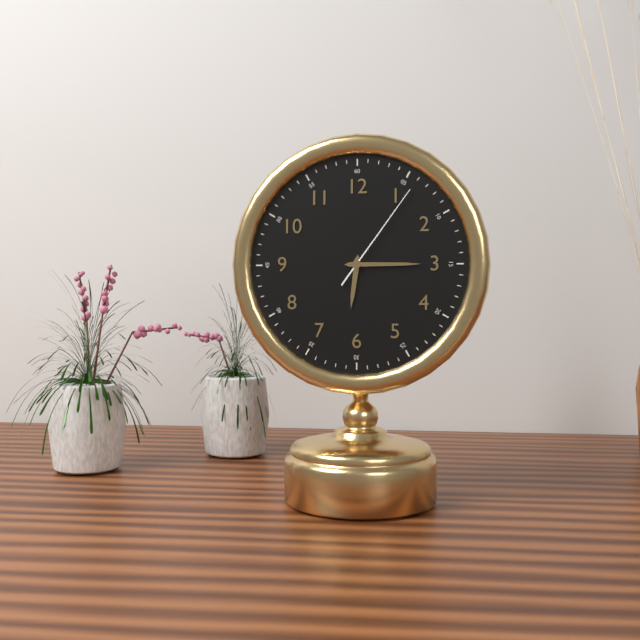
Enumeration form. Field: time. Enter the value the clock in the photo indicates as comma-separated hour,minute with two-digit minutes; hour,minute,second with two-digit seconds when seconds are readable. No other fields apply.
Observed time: 6,15,06
